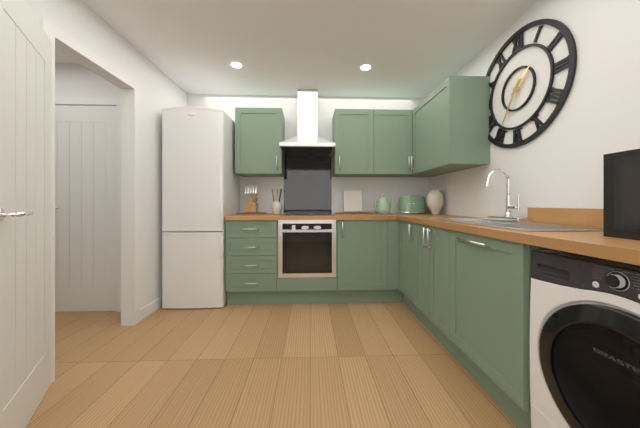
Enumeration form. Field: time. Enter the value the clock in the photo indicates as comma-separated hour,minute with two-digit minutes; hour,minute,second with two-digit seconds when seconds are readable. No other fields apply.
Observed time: 1,35
